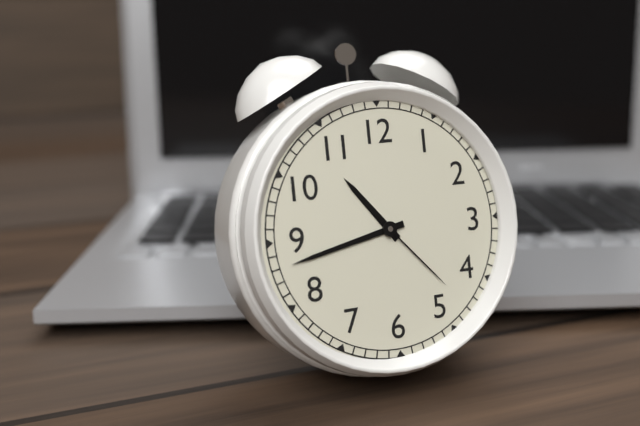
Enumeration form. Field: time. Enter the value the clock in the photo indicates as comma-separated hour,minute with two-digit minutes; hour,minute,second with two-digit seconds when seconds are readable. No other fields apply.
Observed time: 10,43,23
